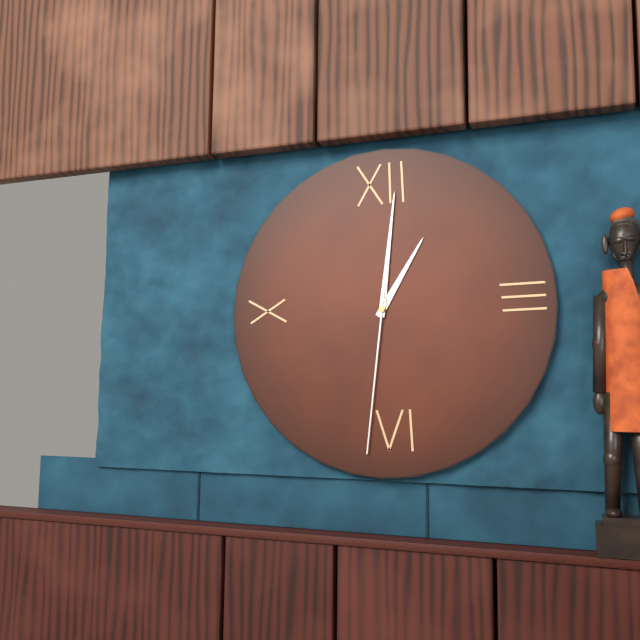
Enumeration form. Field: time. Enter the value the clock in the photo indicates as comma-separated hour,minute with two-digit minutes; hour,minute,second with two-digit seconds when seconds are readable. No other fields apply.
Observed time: 1,01,31
